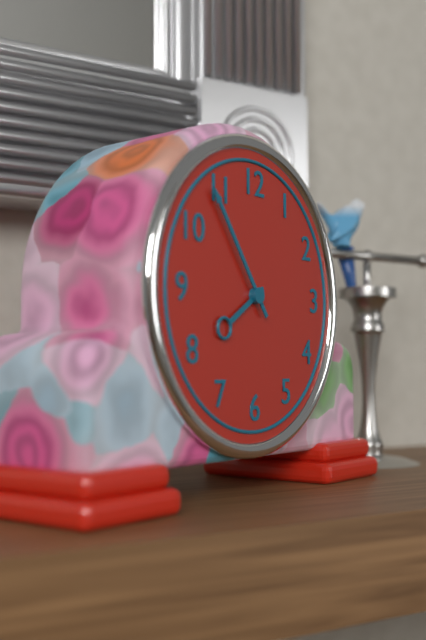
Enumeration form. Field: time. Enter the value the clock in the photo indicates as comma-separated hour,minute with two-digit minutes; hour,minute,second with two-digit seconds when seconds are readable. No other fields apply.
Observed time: 7,54
